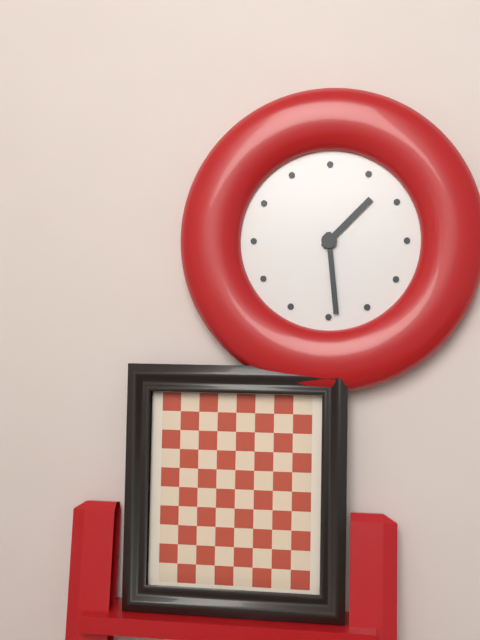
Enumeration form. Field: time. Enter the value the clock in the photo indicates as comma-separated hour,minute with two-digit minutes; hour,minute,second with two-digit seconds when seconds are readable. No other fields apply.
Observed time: 1,29
